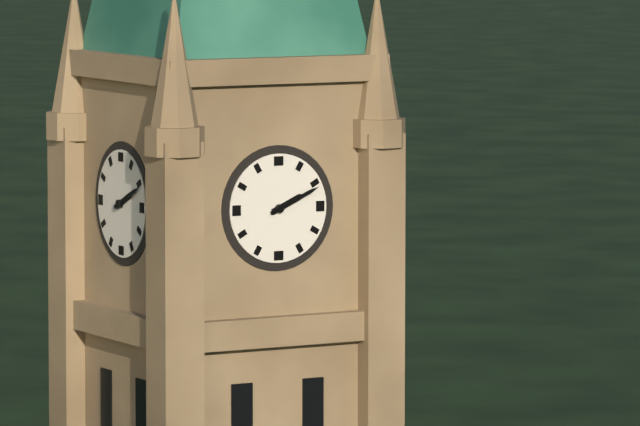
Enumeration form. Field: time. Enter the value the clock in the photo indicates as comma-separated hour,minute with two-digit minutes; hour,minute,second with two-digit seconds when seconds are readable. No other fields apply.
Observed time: 2,11
